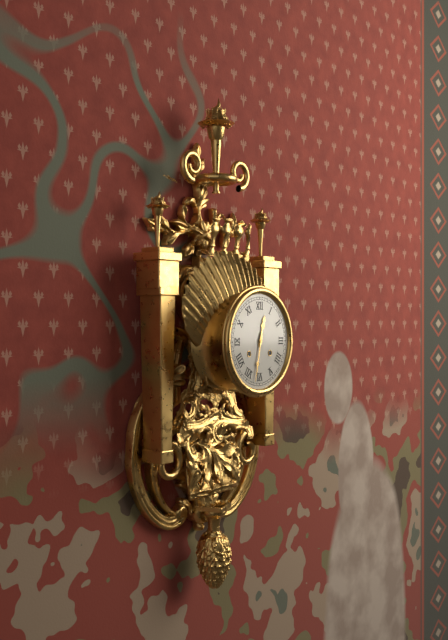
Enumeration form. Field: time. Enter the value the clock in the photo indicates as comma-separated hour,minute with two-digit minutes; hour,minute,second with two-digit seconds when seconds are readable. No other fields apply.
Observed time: 12,32
